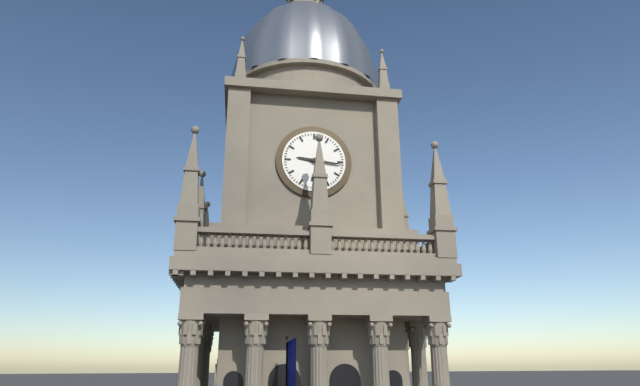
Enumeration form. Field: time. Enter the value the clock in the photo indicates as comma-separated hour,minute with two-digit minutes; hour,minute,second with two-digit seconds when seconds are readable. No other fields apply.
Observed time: 9,16
